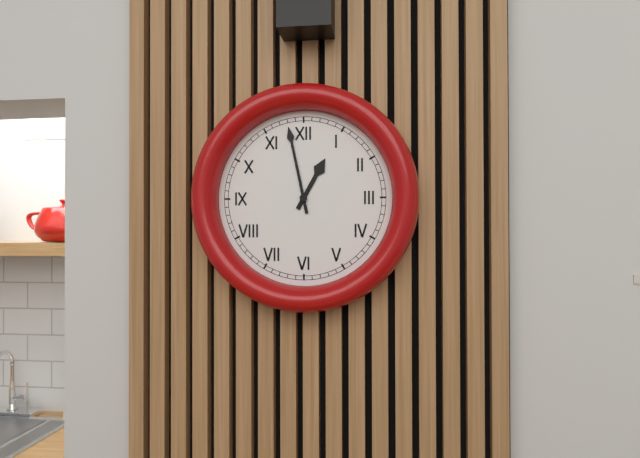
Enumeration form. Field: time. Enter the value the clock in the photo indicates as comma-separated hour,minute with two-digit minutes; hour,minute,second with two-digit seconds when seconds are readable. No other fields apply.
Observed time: 12,58
